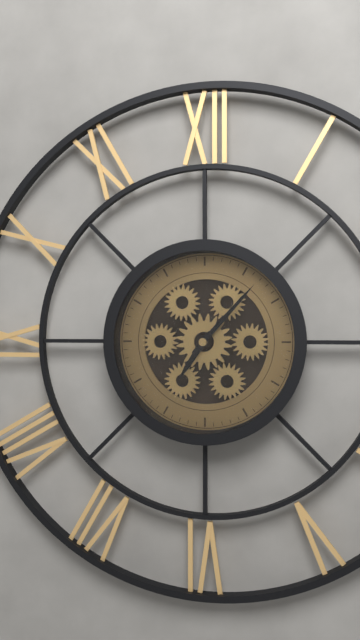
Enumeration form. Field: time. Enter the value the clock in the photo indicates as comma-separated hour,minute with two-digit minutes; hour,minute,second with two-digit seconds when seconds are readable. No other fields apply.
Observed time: 7,07
